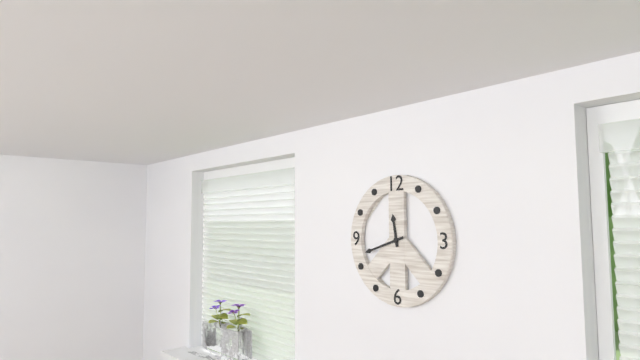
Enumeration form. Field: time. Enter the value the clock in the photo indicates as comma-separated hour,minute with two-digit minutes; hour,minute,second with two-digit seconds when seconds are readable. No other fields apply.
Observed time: 11,42
